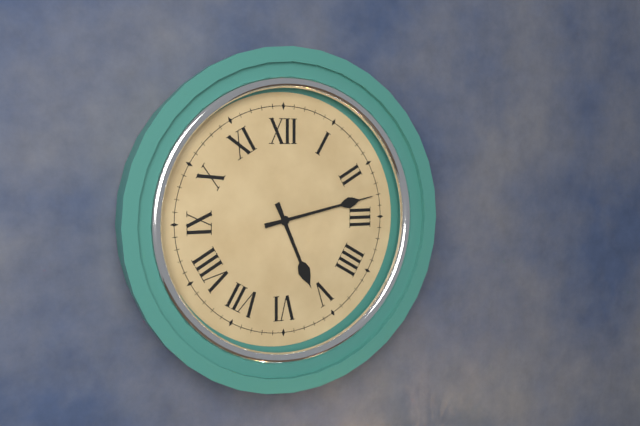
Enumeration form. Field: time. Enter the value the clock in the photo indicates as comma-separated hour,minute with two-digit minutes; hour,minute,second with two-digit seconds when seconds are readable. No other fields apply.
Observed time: 5,13
